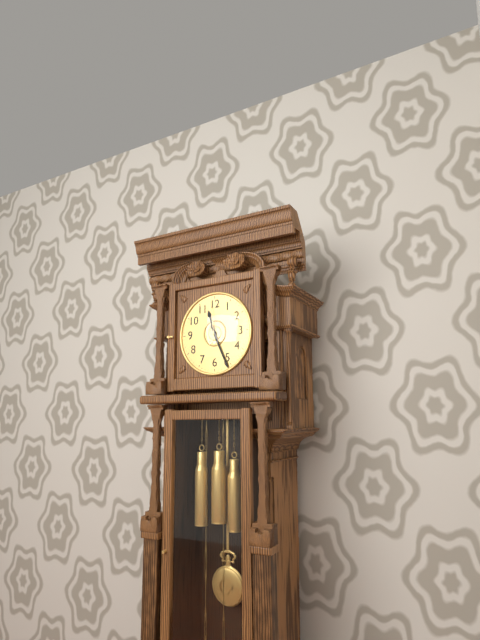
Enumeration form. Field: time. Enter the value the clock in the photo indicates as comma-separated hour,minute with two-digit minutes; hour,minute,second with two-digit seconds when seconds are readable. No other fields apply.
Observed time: 11,26
